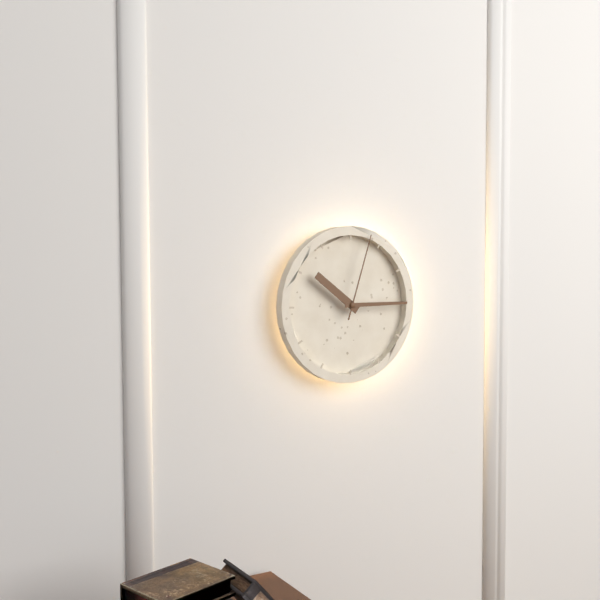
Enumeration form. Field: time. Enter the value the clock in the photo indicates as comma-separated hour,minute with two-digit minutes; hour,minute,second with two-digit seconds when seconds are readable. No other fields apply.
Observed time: 10,15,03
